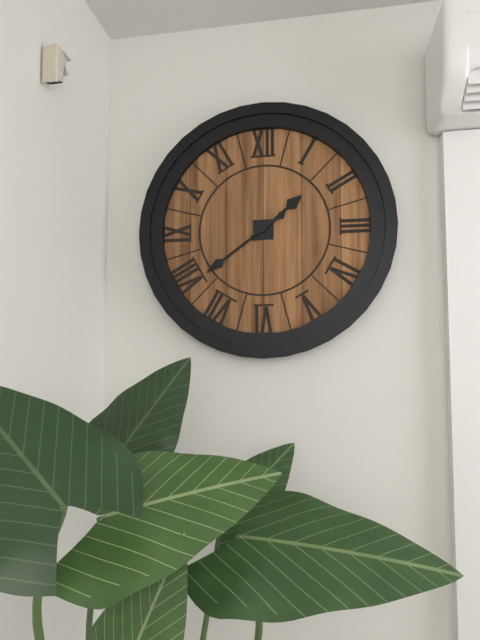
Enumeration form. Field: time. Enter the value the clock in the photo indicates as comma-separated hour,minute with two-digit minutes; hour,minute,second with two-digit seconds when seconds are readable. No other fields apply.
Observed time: 1,39
